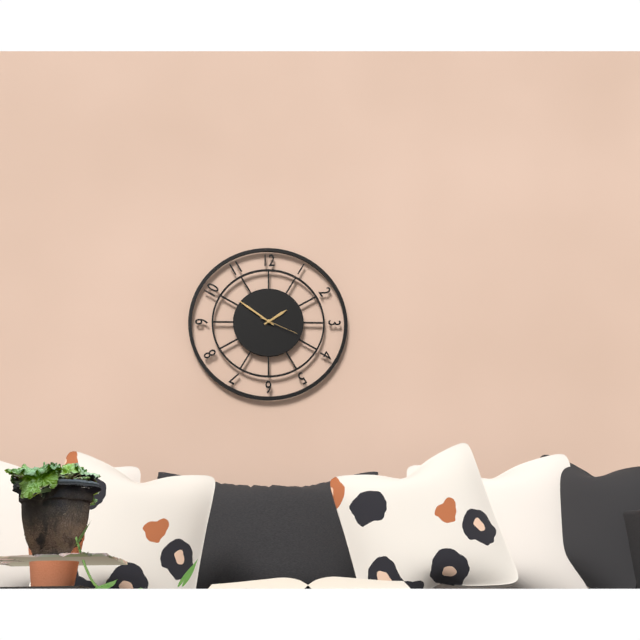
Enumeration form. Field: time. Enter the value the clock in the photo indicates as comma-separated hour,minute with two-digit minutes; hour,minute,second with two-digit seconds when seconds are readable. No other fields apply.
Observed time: 1,51
